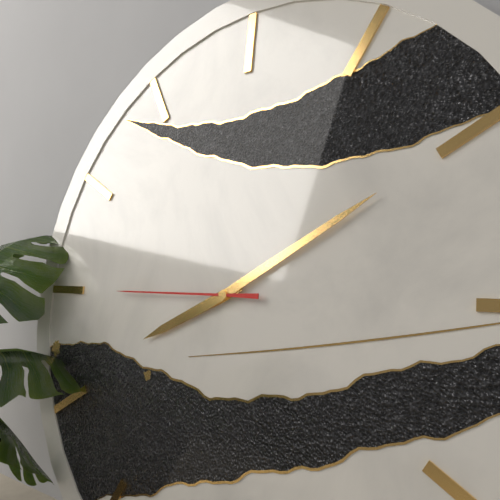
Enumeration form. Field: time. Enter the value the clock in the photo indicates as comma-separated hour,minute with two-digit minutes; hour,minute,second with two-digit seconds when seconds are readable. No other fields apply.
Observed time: 8,10,45
